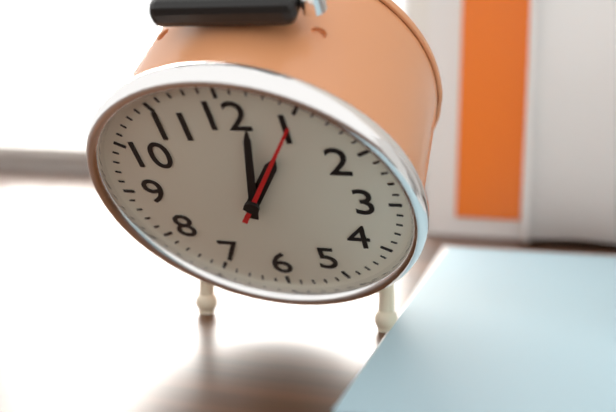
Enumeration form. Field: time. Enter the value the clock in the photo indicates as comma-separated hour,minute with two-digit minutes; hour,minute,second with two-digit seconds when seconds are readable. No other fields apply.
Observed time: 1,02,05
